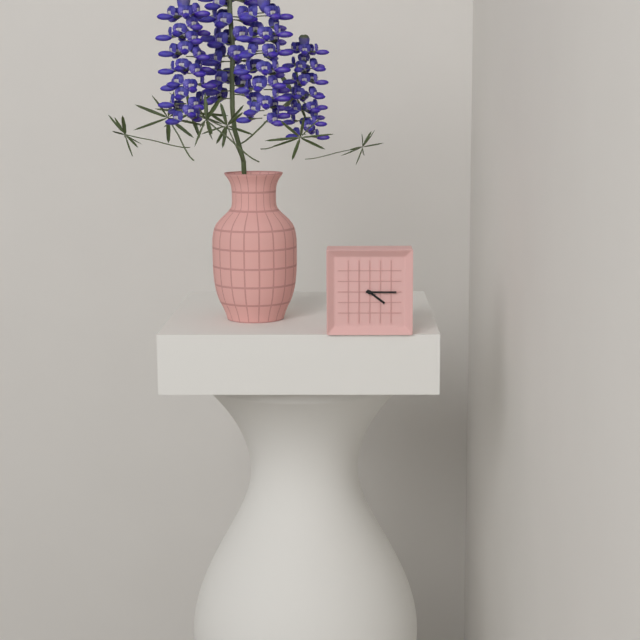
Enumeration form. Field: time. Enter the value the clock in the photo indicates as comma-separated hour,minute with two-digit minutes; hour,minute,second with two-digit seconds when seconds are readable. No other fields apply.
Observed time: 4,15
